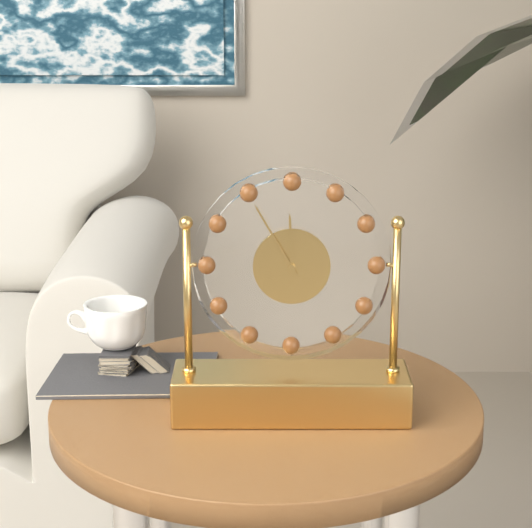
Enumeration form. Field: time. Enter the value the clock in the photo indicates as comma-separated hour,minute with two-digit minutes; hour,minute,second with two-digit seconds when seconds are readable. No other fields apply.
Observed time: 11,55
